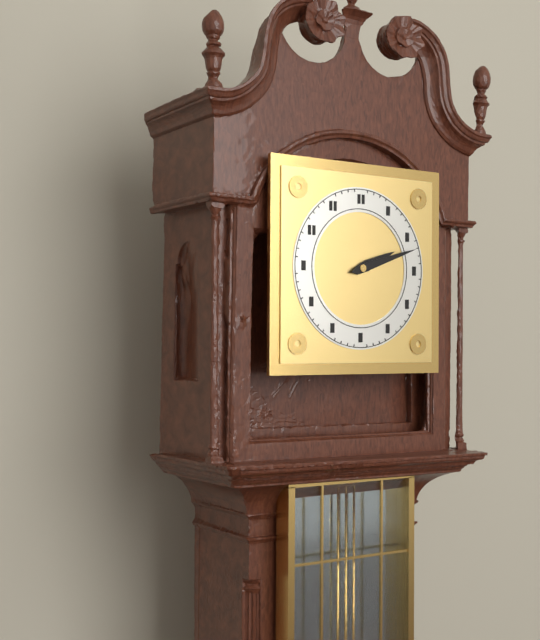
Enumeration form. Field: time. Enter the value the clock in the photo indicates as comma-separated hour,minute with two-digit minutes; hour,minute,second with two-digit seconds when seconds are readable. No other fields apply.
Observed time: 2,12
